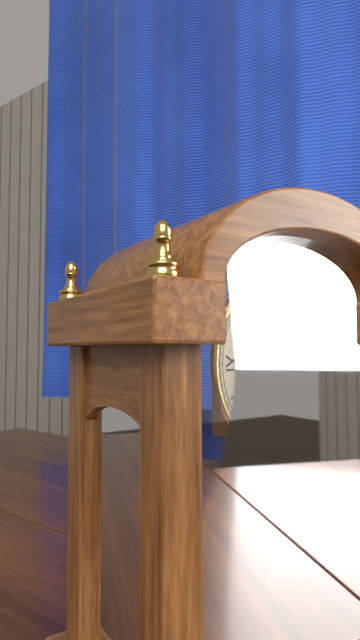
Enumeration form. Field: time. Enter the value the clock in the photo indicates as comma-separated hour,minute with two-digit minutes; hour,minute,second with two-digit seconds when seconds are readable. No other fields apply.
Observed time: 10,25
